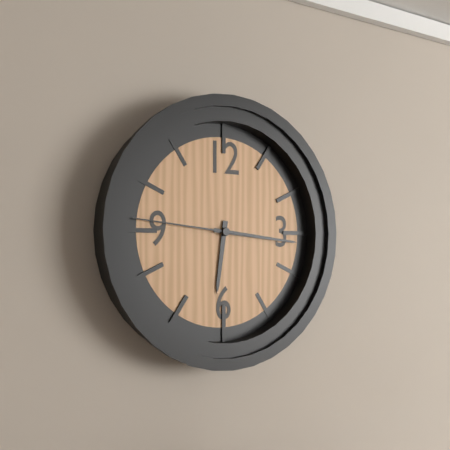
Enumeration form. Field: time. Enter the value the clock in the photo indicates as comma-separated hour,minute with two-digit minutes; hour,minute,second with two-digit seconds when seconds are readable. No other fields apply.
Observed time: 6,16,46
